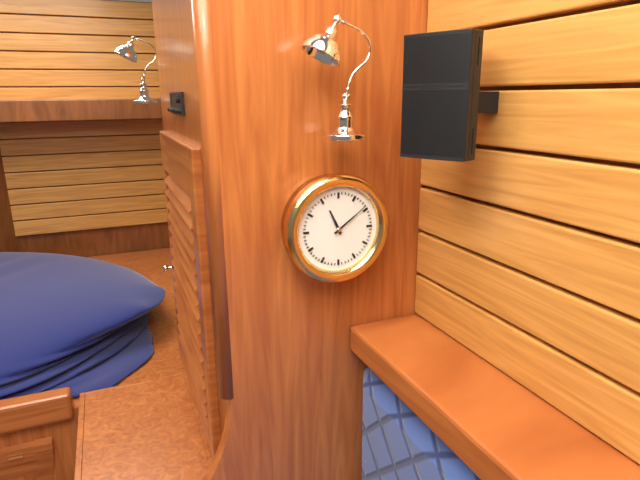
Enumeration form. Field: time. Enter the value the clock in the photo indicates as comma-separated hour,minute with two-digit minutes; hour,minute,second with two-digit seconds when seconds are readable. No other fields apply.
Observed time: 11,09
